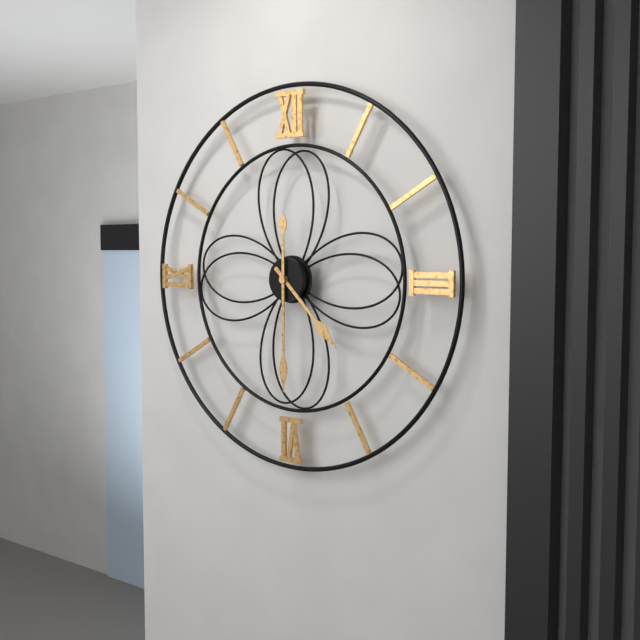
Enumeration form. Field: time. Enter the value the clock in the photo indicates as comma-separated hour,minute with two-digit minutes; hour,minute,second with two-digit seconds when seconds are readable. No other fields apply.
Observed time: 4,30
